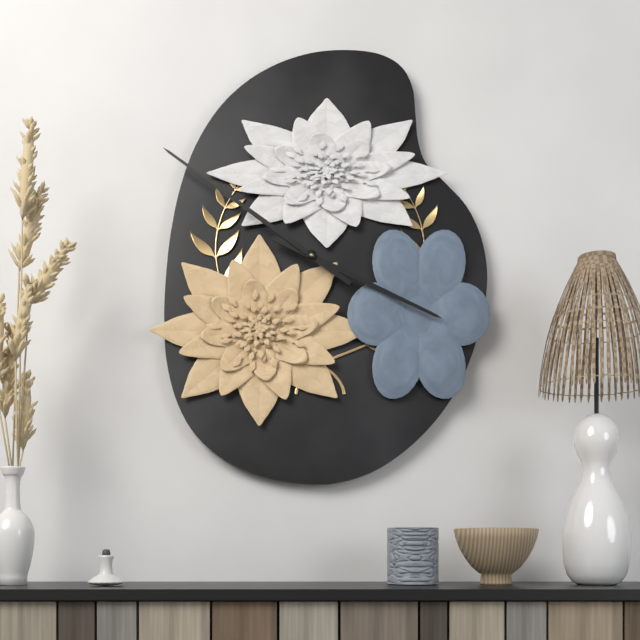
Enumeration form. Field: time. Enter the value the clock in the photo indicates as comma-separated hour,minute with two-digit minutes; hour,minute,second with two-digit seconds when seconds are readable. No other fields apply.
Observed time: 3,51
